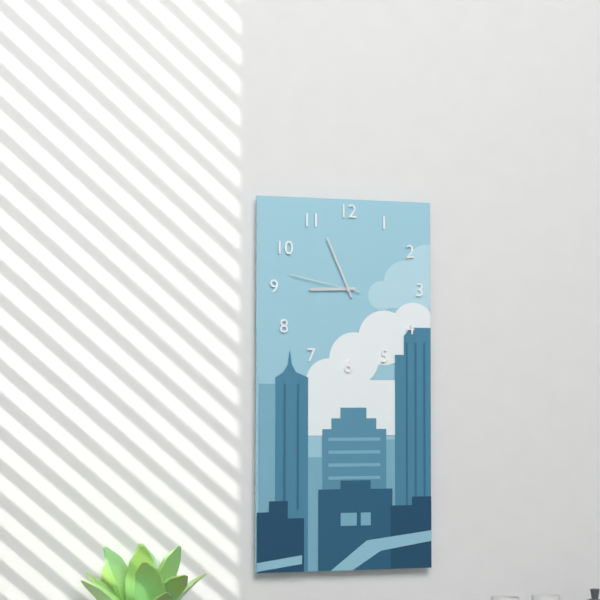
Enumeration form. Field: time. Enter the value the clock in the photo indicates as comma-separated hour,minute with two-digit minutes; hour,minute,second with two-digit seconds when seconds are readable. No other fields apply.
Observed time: 8,56,47
